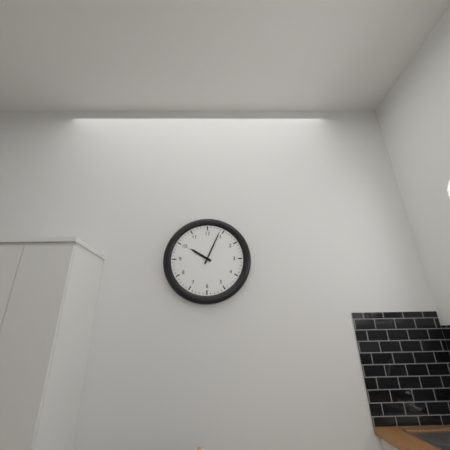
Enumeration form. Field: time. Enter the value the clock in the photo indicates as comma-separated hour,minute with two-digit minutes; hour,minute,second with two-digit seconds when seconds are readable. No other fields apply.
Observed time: 10,04
